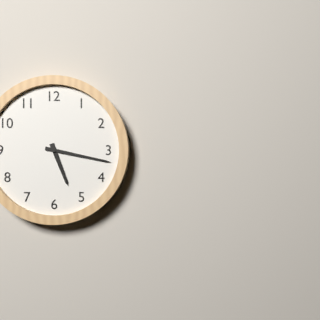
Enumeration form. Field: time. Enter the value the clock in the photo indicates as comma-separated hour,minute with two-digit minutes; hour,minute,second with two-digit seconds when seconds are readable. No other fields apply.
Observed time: 5,17
